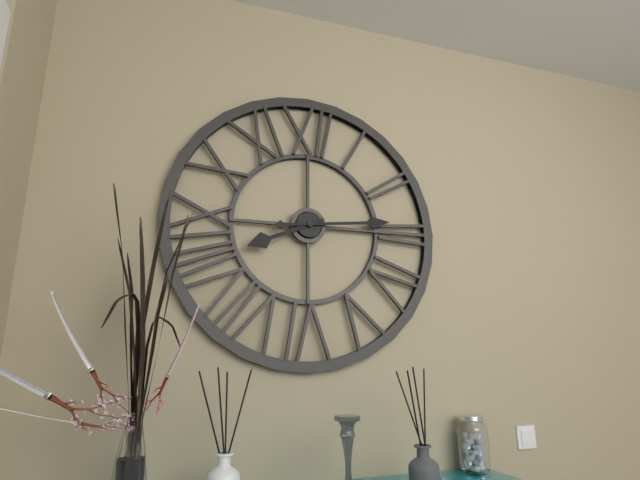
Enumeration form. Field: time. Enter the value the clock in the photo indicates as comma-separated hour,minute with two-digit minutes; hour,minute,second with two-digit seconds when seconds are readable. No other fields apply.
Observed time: 8,14
